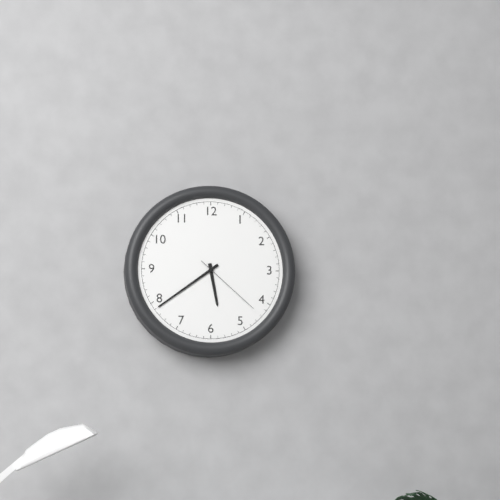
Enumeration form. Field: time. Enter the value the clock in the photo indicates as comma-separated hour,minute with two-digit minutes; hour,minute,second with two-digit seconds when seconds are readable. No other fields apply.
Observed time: 5,39,22
